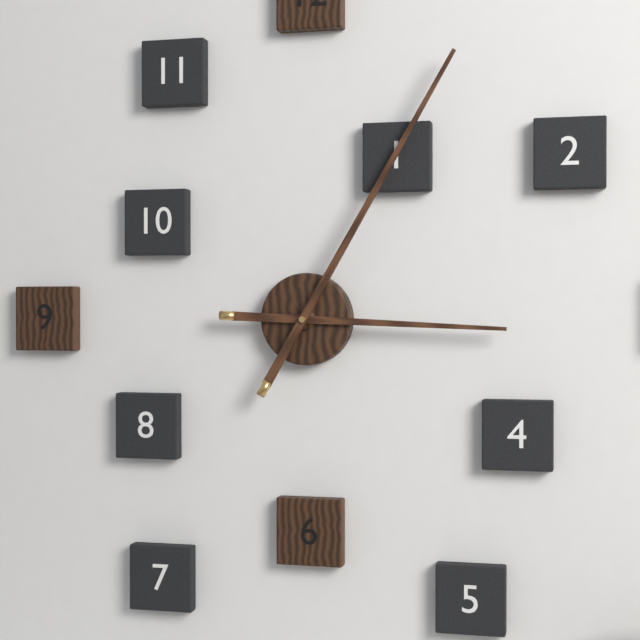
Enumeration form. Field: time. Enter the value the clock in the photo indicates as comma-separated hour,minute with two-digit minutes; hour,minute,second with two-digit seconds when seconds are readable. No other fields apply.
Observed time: 3,05
